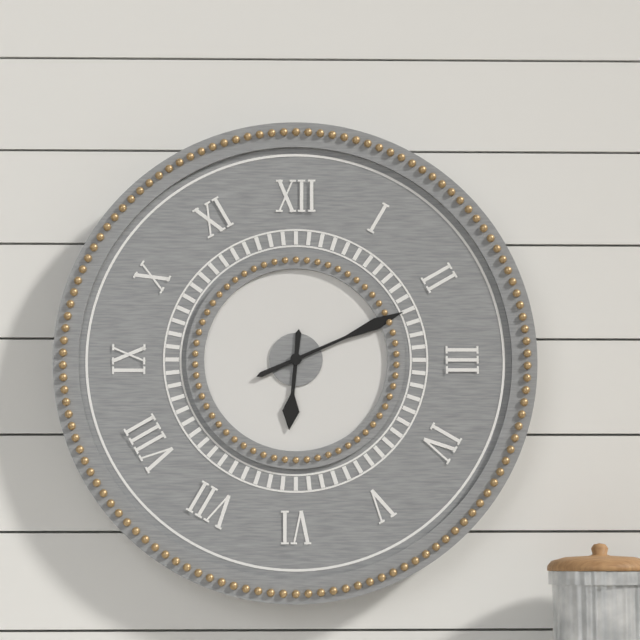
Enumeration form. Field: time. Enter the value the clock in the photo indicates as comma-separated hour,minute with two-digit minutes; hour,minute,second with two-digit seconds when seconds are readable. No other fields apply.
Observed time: 6,11
